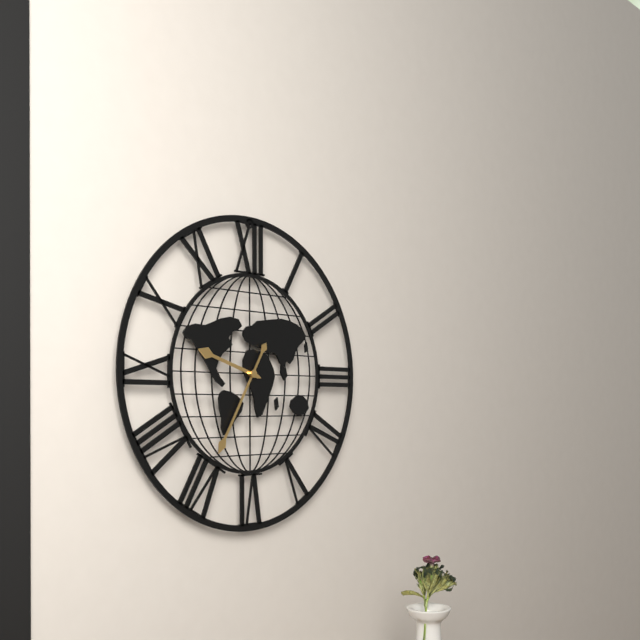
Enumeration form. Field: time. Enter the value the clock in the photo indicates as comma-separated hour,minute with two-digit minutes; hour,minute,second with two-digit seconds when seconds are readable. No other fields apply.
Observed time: 9,35
